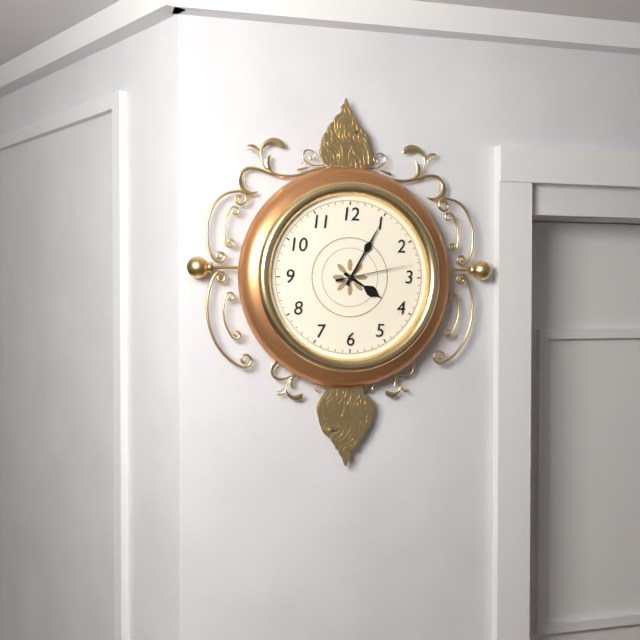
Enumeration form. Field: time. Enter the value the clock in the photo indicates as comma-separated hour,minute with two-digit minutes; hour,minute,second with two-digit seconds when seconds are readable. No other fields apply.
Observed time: 4,05,13
